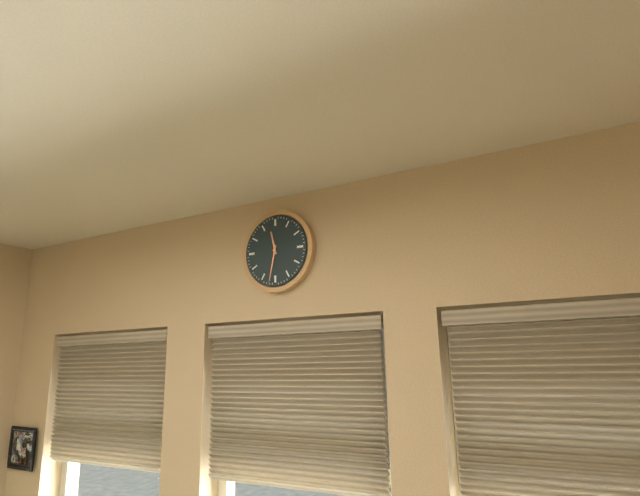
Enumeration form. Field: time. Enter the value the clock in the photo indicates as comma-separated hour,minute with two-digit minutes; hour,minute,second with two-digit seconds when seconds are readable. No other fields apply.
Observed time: 11,32
